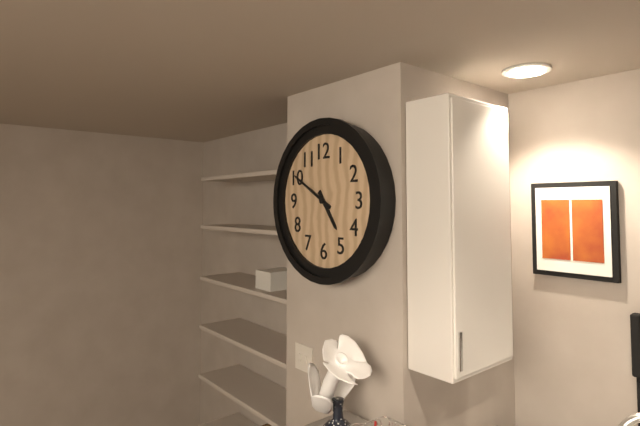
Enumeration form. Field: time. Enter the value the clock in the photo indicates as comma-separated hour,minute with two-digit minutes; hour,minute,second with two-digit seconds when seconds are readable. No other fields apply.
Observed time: 4,50
